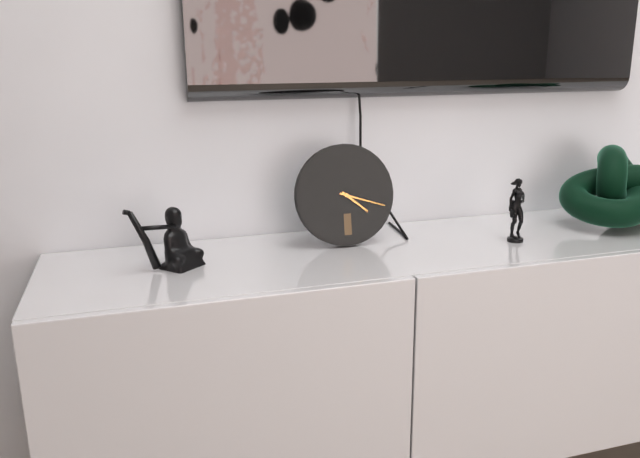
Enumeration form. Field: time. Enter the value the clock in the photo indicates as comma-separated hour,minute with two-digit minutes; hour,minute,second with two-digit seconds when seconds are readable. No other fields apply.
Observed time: 4,18
